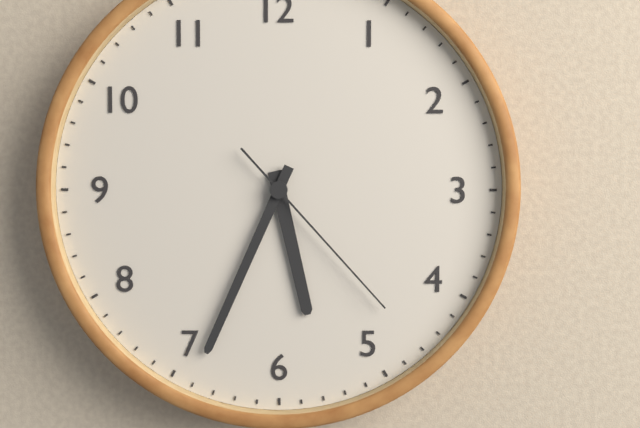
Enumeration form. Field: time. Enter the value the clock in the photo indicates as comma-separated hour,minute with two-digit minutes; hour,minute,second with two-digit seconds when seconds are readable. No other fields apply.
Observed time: 5,34,23
